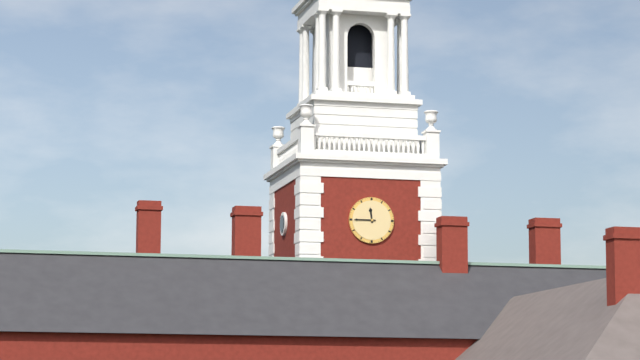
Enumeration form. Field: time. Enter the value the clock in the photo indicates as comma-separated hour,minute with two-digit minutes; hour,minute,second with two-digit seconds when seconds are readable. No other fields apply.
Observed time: 11,45
